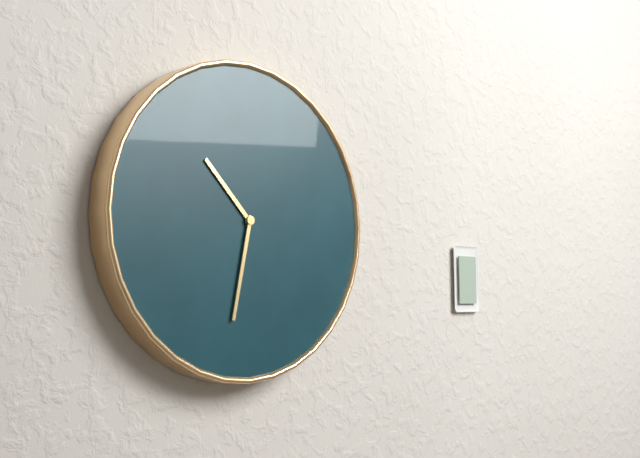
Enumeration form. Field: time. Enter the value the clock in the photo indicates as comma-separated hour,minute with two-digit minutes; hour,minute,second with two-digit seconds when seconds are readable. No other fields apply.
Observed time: 10,32
